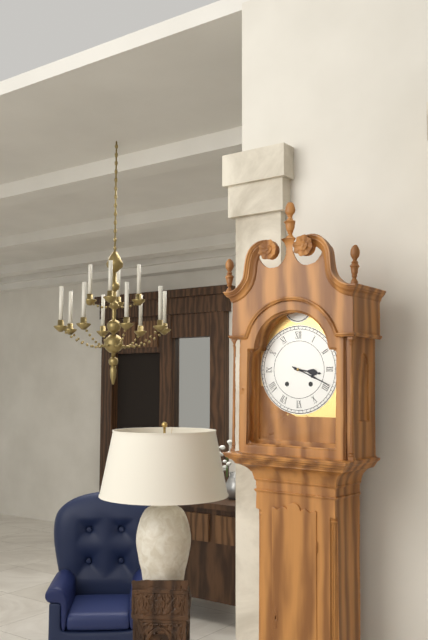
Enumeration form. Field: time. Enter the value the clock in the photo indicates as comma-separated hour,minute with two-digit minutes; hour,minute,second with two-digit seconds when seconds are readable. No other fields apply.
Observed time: 3,19
